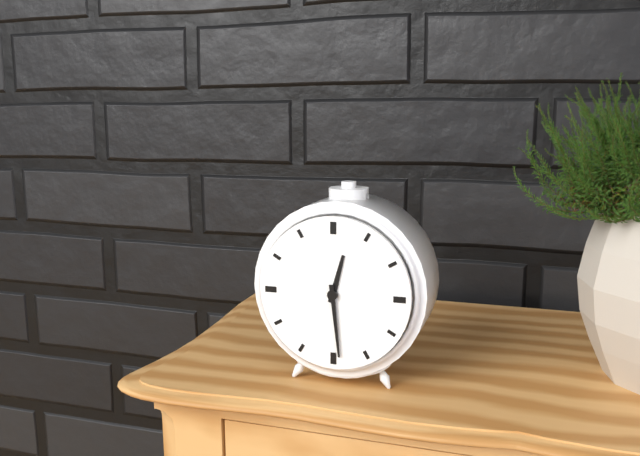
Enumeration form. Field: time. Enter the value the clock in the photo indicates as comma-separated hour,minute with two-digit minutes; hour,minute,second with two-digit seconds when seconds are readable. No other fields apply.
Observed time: 12,29
